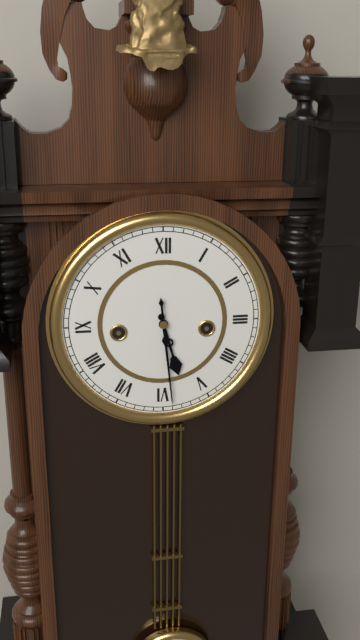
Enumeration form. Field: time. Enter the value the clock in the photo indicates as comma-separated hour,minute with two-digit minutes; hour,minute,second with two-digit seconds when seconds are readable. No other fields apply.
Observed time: 5,29
